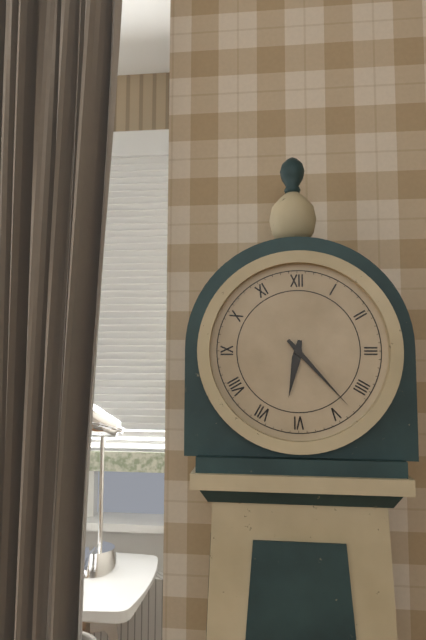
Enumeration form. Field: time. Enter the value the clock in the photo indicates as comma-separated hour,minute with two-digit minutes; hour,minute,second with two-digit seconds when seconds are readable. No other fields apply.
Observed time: 6,23
